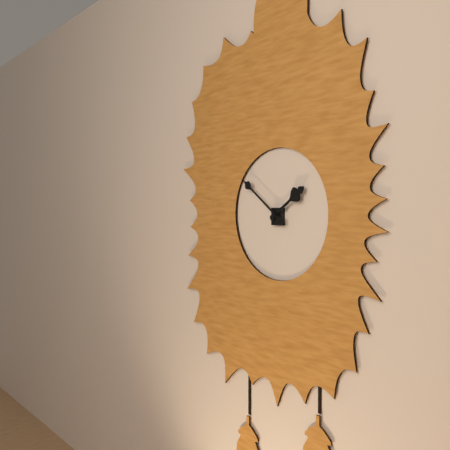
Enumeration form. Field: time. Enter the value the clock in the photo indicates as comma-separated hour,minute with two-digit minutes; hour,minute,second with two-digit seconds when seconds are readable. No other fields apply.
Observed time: 1,51
